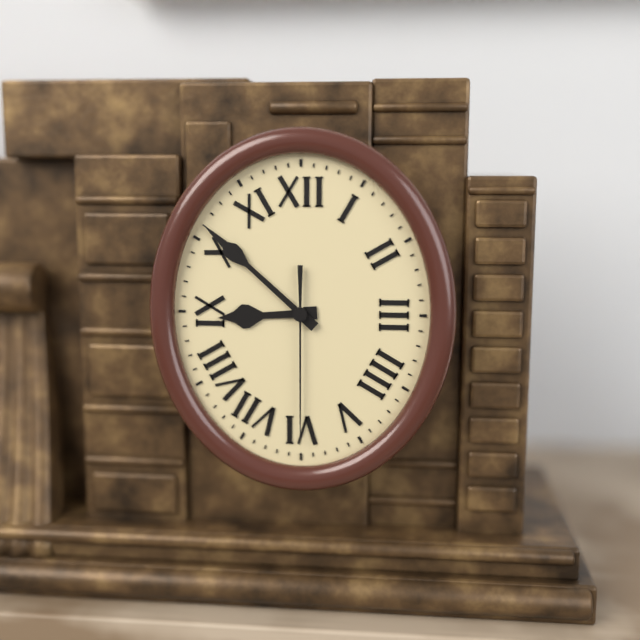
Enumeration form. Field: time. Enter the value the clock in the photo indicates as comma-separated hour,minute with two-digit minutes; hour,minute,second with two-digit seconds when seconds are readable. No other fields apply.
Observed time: 8,52,30
